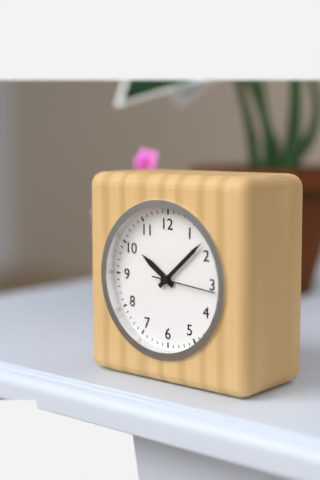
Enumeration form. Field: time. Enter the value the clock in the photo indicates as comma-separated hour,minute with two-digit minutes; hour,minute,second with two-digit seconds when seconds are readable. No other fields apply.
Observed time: 10,08,16
